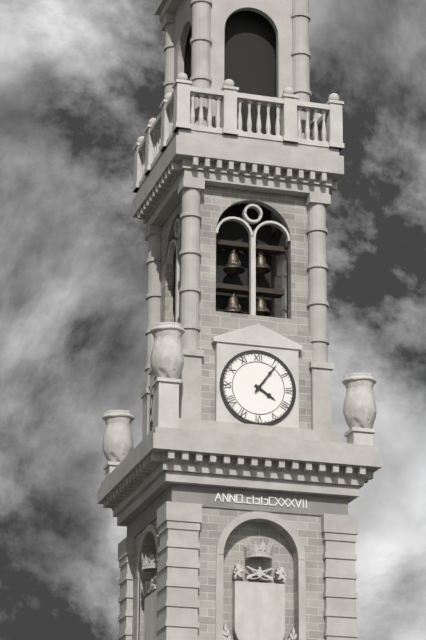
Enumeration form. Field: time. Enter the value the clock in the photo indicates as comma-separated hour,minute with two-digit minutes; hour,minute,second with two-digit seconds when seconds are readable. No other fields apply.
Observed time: 4,06
